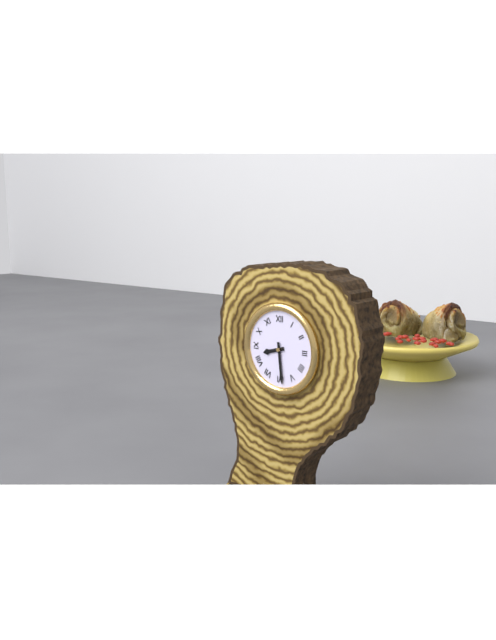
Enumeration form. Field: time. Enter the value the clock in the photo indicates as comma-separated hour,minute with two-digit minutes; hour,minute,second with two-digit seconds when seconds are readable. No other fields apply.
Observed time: 8,29
